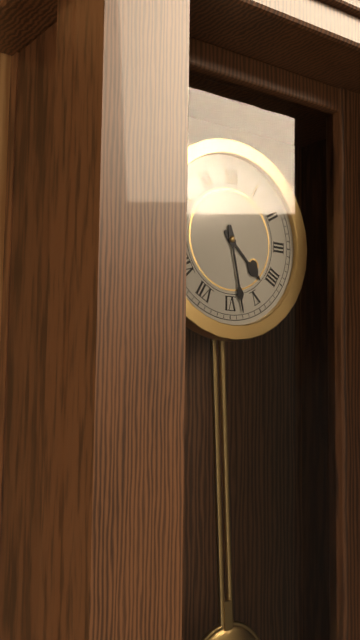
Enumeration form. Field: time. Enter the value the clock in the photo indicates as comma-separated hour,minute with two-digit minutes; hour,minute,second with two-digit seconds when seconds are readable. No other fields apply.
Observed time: 4,28
